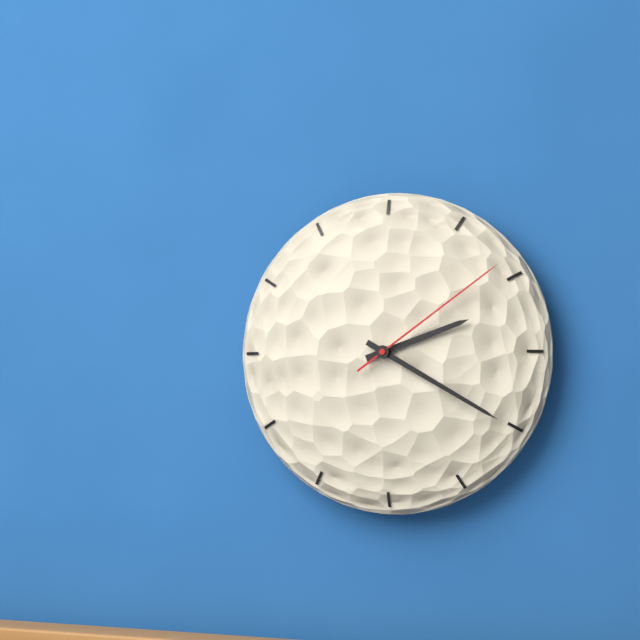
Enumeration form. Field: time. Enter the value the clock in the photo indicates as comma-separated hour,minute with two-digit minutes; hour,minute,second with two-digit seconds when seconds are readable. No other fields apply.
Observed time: 2,20,09
